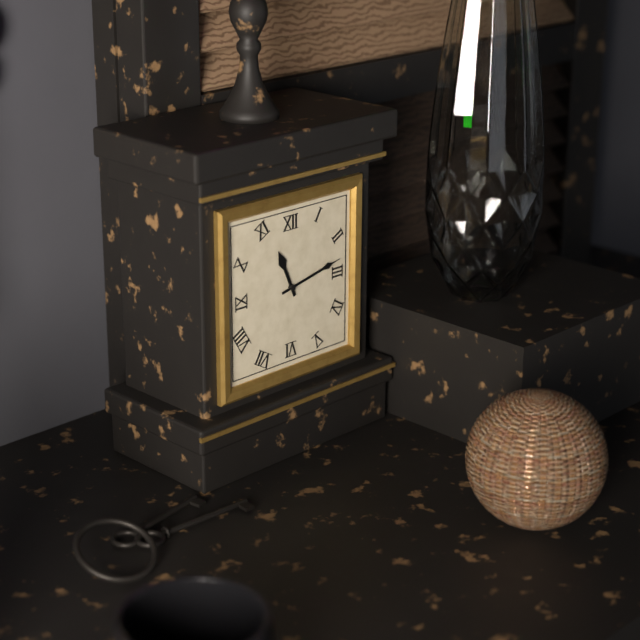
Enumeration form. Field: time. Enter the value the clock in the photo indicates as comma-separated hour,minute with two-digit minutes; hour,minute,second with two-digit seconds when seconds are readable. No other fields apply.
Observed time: 11,13
